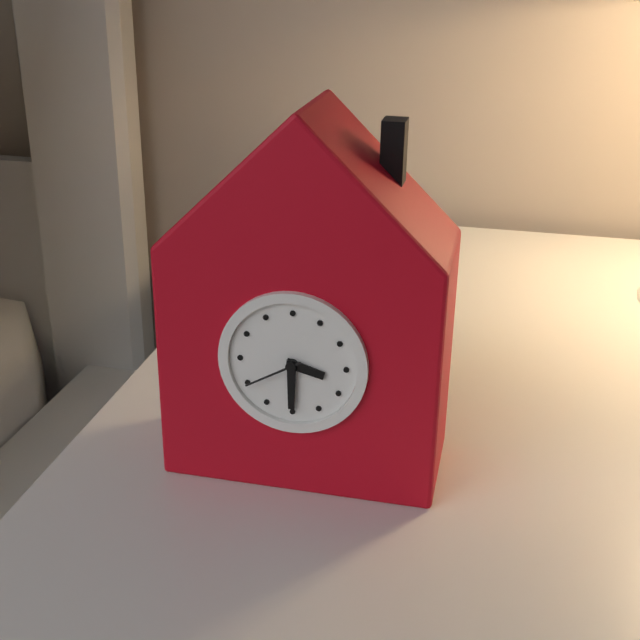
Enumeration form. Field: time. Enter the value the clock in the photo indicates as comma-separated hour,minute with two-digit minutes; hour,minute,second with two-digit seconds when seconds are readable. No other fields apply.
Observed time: 3,30,40
